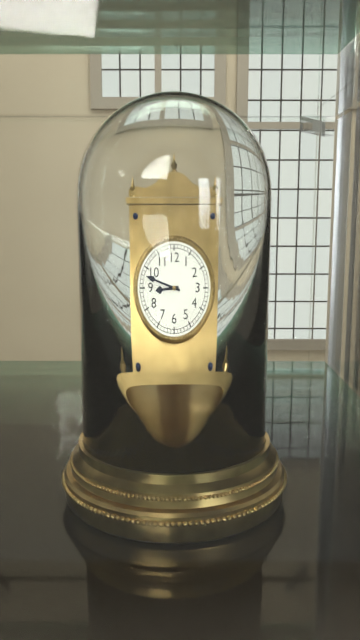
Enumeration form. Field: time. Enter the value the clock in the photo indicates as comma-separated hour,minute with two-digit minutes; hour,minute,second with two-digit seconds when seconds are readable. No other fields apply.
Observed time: 8,48
